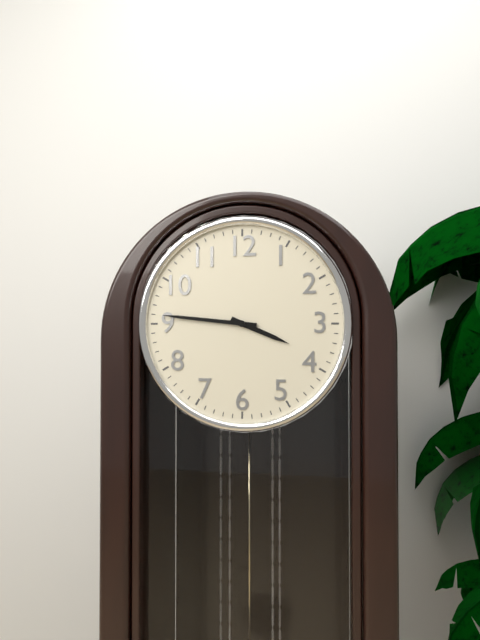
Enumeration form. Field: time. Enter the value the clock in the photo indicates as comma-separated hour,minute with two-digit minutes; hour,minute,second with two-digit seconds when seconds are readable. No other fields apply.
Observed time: 3,46
